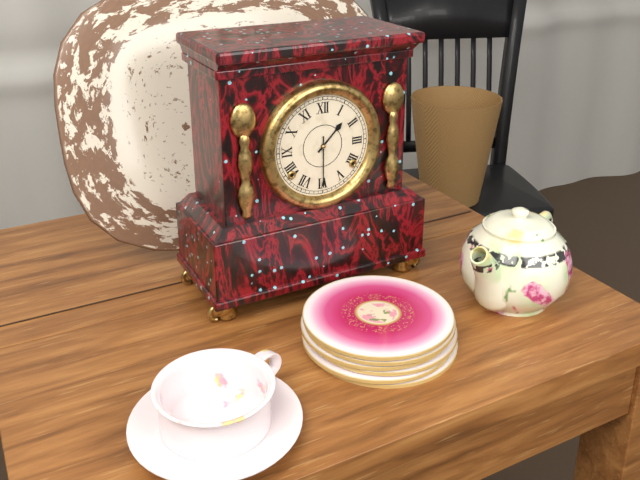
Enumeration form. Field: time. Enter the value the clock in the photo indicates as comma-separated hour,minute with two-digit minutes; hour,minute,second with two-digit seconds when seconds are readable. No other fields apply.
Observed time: 1,30
